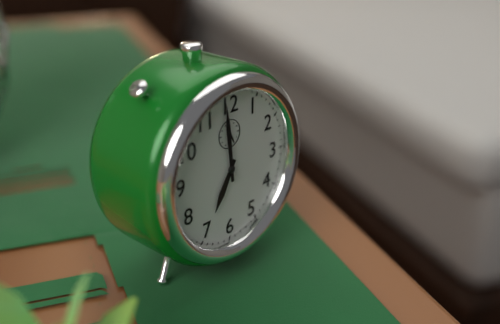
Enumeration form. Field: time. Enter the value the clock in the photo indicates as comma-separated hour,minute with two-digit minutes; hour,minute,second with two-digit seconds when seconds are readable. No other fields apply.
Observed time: 6,59
